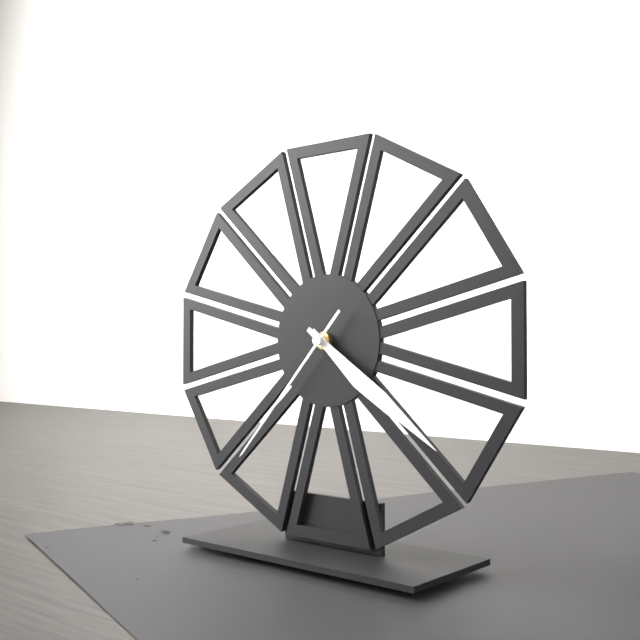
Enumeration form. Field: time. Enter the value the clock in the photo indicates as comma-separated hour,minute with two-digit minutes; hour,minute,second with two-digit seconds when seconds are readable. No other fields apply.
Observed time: 4,21,37
